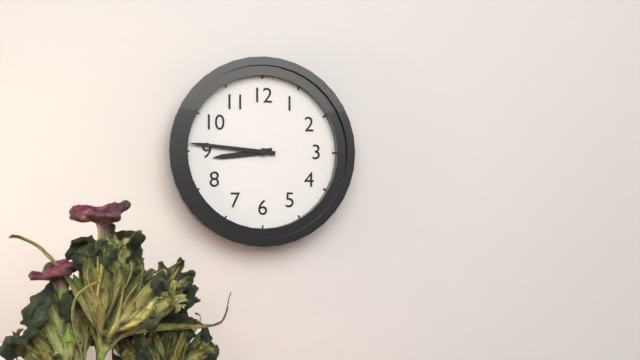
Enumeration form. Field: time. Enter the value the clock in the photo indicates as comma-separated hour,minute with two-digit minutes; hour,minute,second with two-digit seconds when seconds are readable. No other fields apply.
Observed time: 8,46
